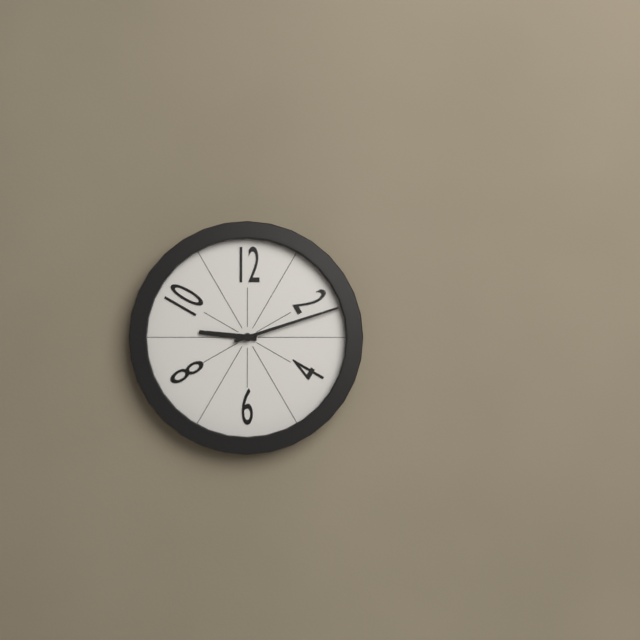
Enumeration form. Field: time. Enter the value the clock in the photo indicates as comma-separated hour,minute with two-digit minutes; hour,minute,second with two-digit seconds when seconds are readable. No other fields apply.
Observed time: 9,12
